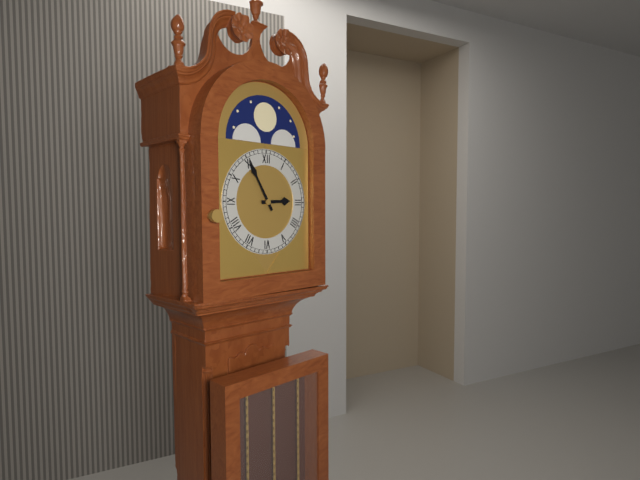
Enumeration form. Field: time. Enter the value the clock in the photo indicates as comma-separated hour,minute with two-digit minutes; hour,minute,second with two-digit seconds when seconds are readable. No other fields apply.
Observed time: 2,55
